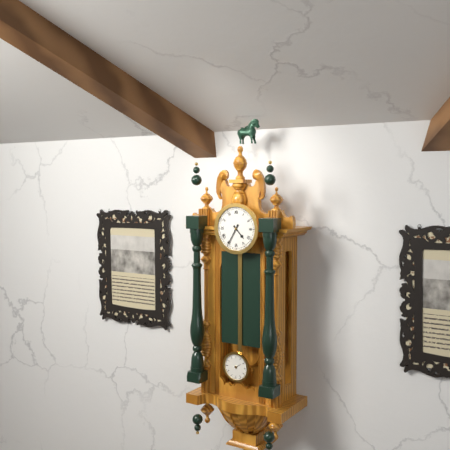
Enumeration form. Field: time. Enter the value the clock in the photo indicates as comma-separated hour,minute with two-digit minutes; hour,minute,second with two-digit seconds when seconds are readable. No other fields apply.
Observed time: 4,35
